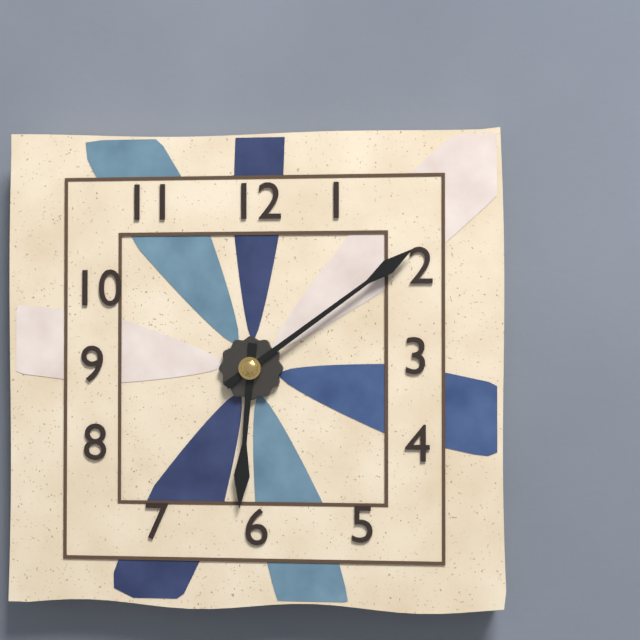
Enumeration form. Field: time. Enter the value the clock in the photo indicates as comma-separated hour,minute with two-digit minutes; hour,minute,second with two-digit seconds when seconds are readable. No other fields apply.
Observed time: 6,09
